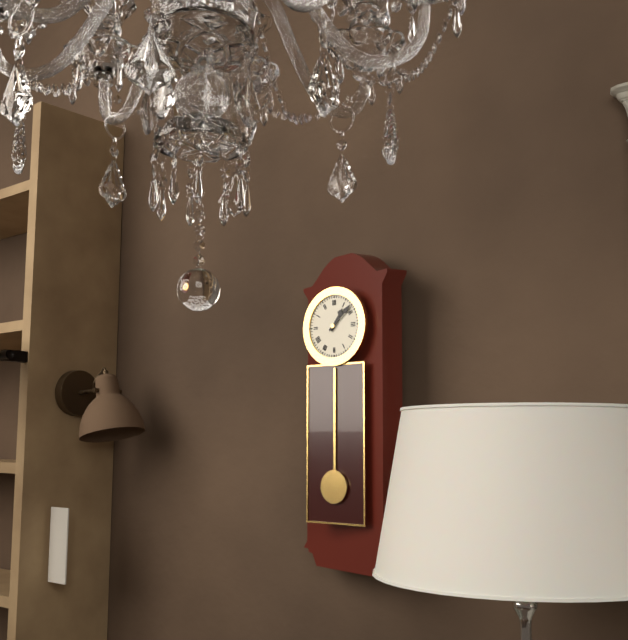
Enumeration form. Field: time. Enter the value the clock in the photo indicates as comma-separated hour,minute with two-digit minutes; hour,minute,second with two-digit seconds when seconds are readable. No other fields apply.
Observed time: 1,08
